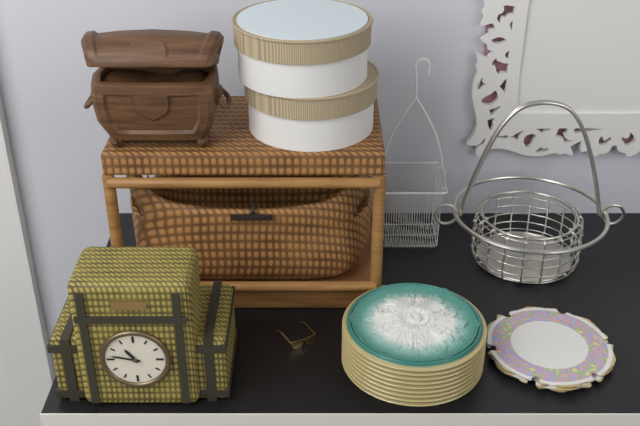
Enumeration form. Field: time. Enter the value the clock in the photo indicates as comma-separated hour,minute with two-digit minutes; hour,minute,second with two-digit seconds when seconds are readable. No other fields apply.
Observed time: 10,47
